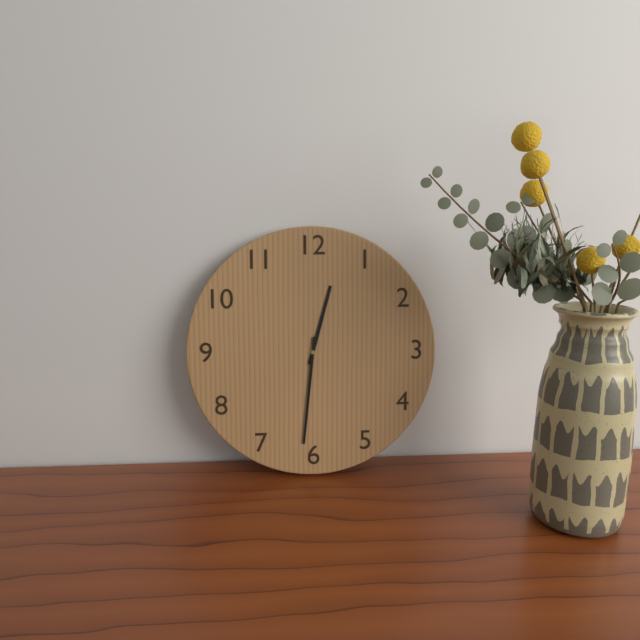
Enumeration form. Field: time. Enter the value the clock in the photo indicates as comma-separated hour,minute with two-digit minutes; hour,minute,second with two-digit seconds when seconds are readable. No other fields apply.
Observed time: 12,31
